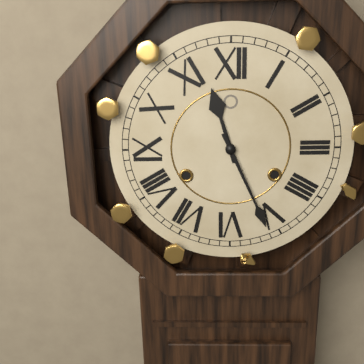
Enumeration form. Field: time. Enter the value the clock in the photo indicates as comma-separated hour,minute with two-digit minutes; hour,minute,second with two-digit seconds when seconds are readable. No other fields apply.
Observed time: 11,26
